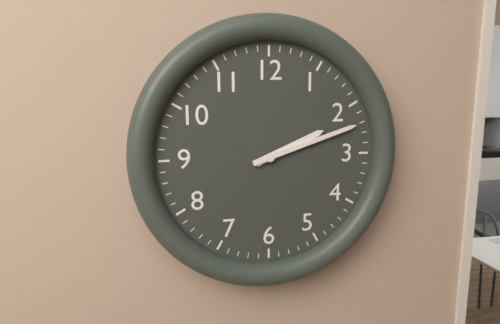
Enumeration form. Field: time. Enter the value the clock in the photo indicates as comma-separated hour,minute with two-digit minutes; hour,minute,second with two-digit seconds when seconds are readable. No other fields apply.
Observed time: 2,12
